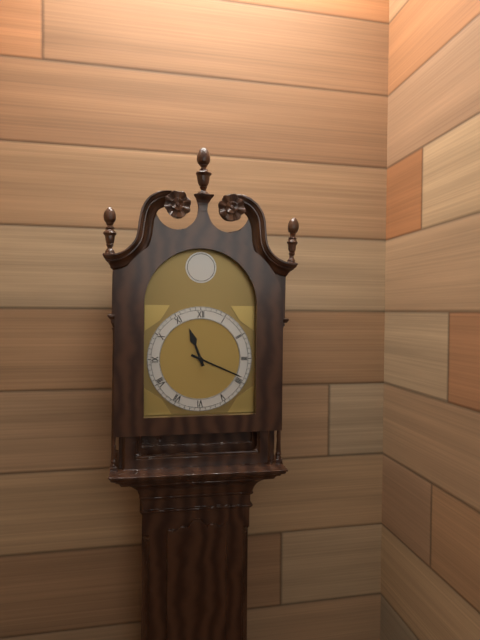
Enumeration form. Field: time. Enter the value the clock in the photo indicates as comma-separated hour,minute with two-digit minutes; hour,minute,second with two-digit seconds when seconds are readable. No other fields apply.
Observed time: 11,19
